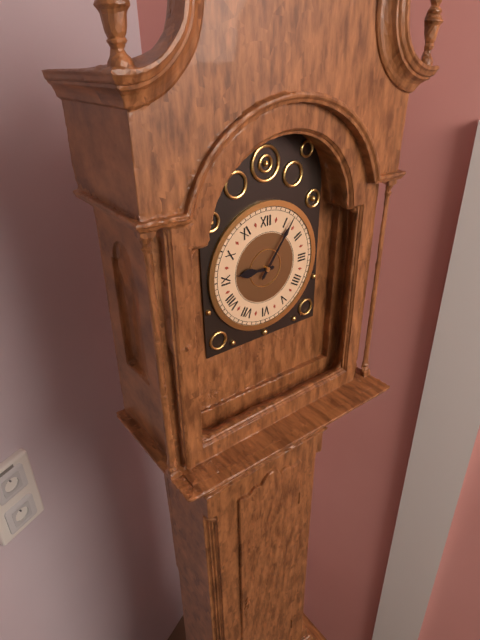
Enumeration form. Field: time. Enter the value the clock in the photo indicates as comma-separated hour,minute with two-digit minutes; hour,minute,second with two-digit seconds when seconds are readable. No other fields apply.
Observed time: 9,06
